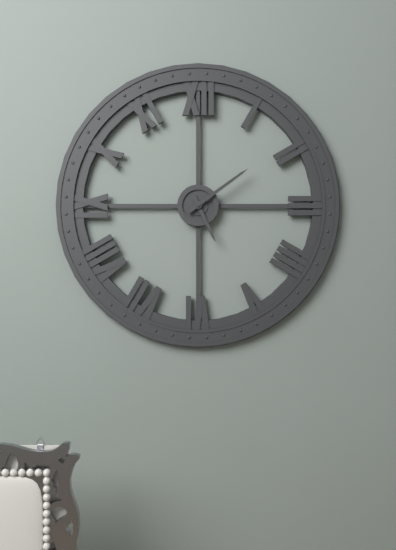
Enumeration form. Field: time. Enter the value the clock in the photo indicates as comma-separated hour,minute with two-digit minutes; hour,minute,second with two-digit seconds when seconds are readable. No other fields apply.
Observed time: 5,09
